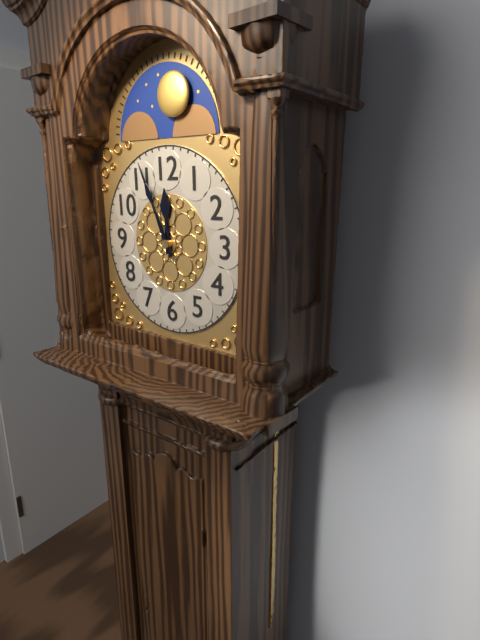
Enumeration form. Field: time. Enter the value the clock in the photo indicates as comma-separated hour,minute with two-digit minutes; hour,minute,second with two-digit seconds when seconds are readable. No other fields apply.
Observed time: 11,56
